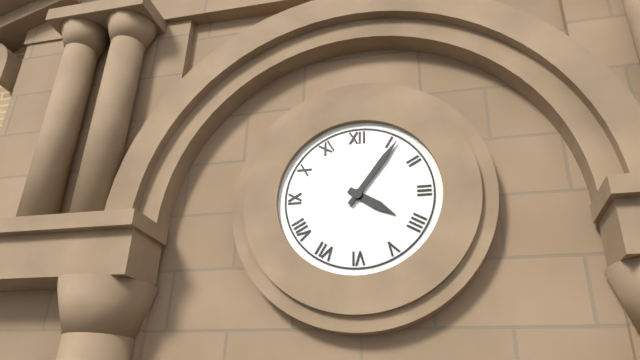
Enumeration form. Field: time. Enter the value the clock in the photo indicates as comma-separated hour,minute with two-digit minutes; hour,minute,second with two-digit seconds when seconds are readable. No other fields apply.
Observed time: 4,06
